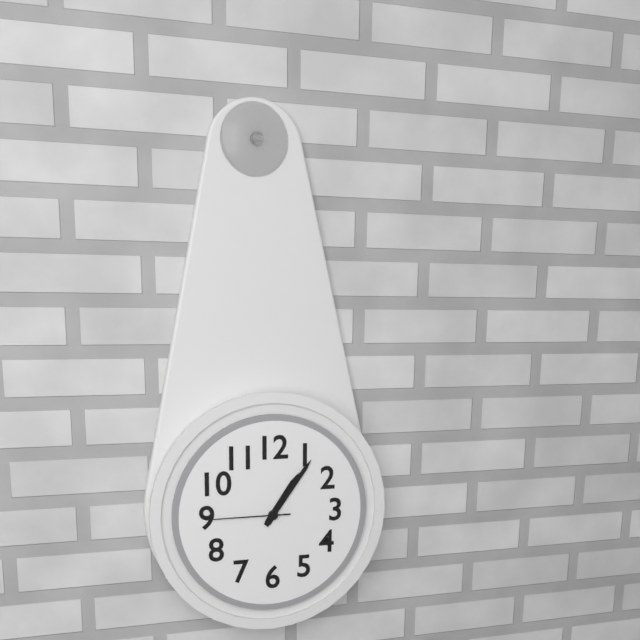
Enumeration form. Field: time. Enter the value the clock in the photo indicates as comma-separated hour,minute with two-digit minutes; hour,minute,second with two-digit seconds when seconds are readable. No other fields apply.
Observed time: 1,06,45
